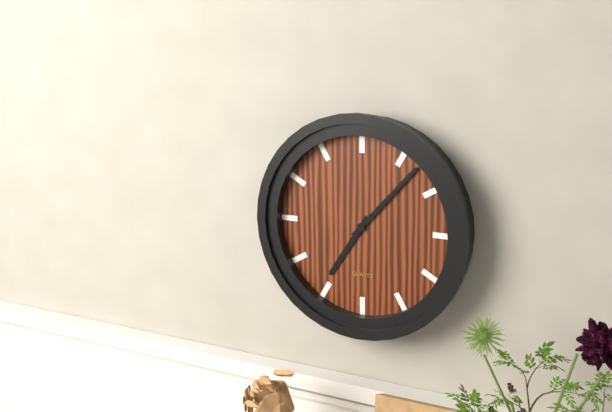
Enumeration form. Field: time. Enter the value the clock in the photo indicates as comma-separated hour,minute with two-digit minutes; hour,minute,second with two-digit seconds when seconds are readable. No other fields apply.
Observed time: 7,07
